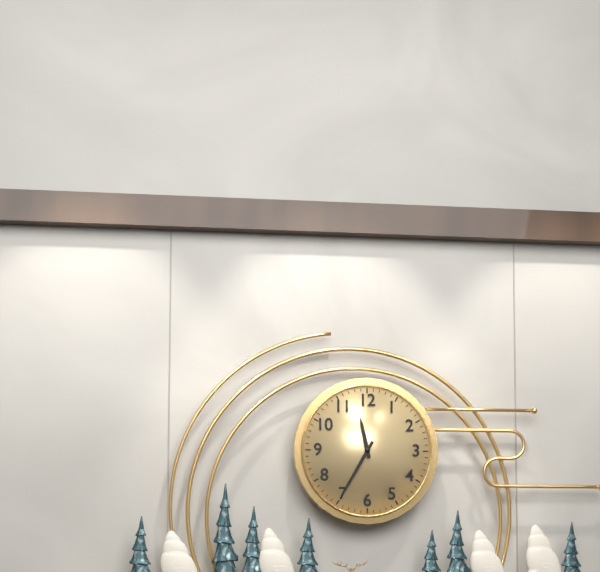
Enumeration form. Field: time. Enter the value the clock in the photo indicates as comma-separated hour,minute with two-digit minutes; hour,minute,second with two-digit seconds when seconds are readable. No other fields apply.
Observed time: 11,35
